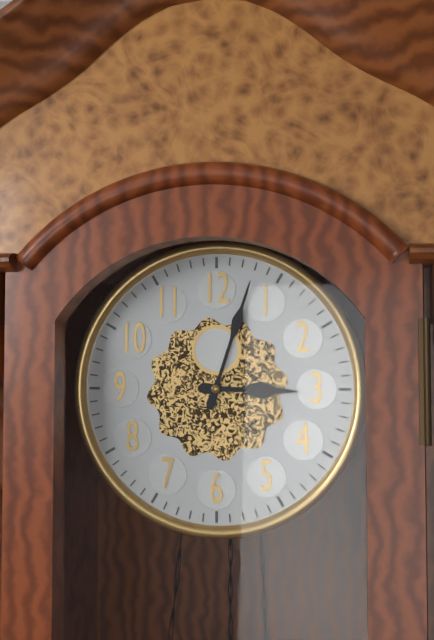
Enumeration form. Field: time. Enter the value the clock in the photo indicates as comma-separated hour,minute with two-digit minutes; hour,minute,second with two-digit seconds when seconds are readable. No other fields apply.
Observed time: 3,03
